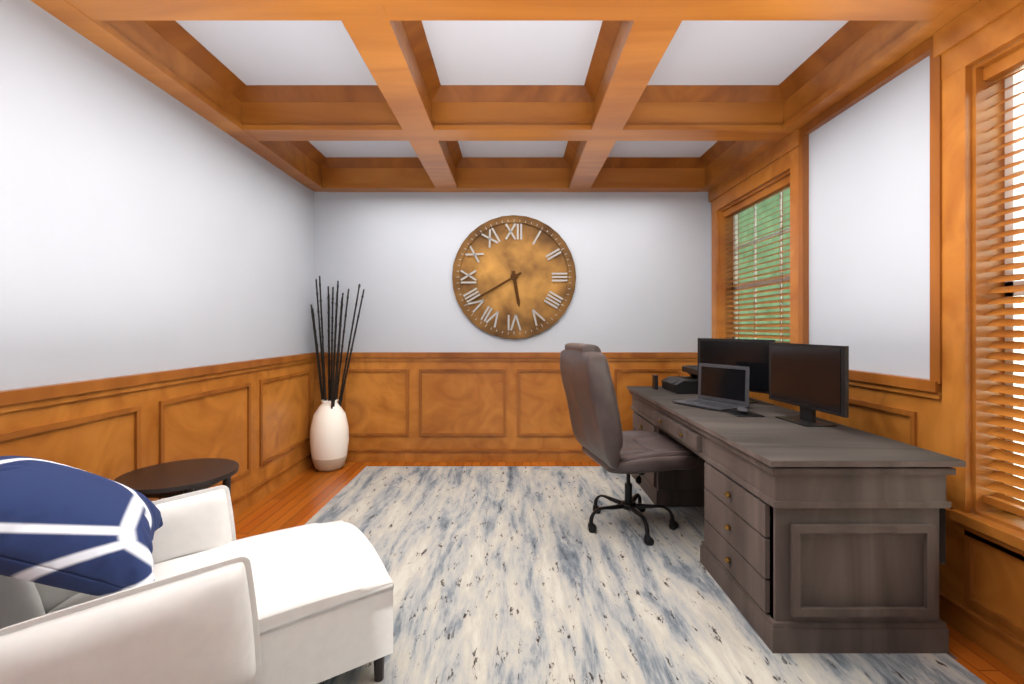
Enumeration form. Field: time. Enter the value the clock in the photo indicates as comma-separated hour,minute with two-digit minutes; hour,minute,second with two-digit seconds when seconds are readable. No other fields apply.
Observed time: 5,40
